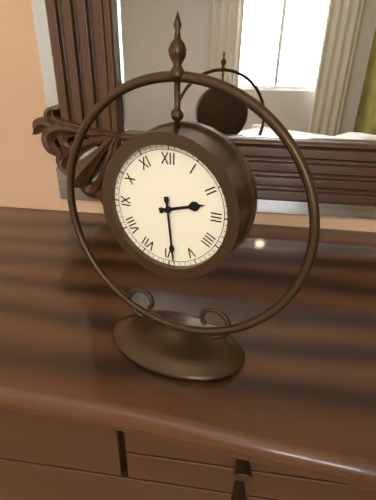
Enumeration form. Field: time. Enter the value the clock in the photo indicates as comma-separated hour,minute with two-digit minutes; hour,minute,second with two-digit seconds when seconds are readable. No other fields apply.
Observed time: 2,29
